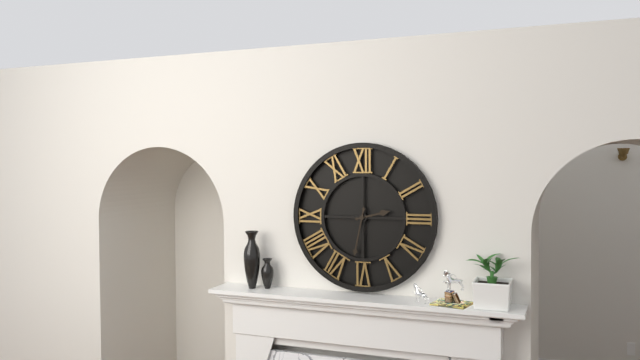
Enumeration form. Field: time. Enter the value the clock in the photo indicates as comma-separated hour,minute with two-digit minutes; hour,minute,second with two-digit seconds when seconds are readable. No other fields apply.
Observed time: 2,32
